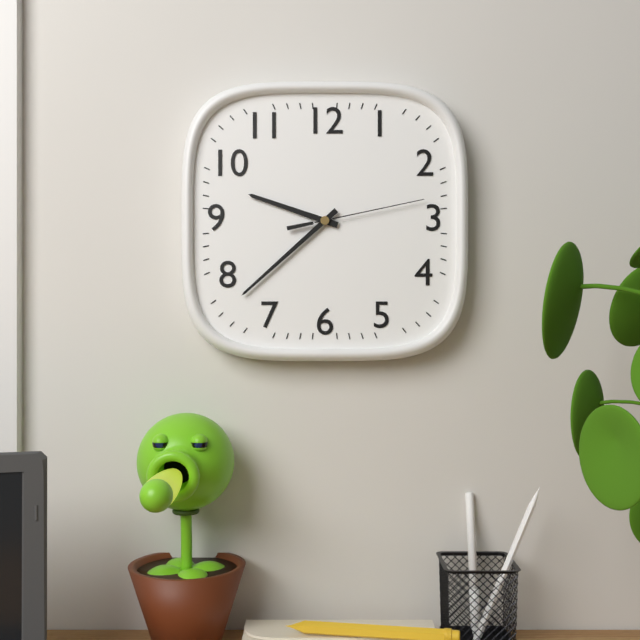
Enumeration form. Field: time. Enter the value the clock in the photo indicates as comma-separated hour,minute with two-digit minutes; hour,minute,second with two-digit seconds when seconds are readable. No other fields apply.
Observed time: 9,38,13
